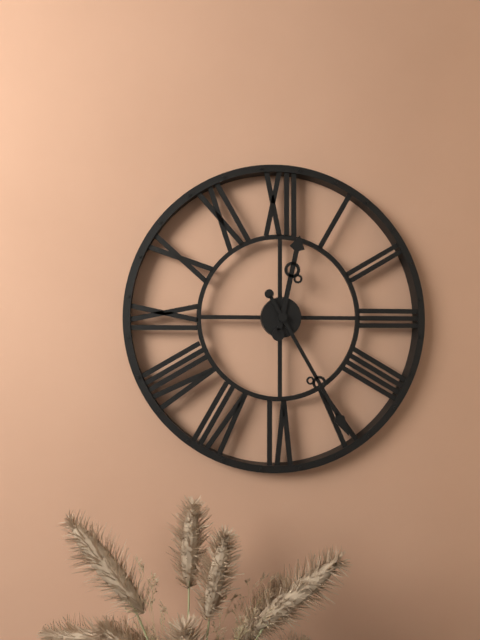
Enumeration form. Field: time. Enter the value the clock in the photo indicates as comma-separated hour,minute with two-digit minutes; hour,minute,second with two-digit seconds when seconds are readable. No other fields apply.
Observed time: 12,25
